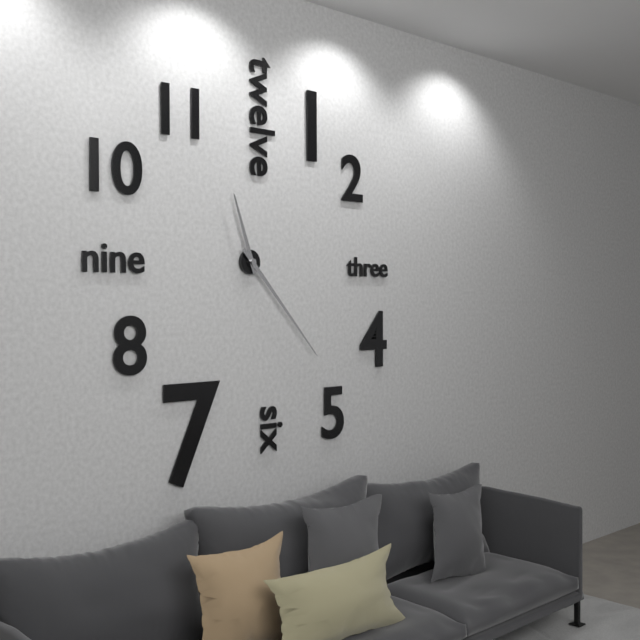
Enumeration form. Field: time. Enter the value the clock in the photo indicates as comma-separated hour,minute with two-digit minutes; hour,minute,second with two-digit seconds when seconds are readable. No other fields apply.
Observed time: 11,23
